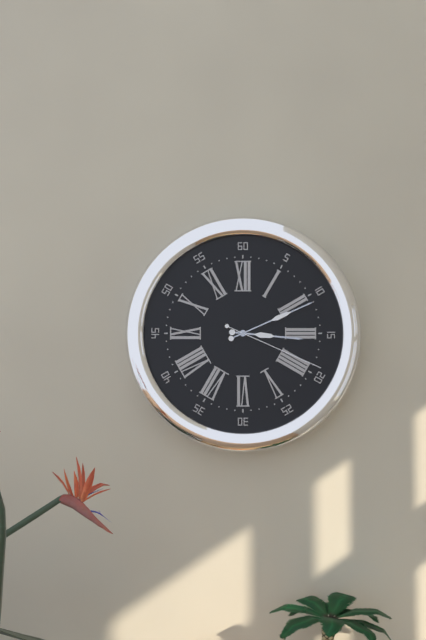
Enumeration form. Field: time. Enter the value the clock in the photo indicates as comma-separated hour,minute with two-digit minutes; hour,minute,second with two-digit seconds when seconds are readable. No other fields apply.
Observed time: 3,11,19
